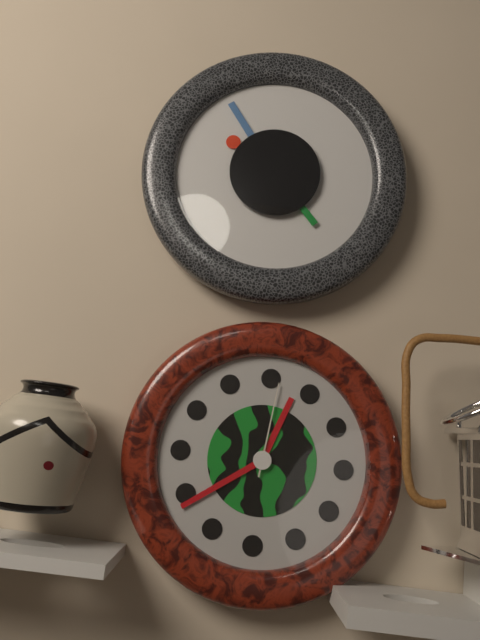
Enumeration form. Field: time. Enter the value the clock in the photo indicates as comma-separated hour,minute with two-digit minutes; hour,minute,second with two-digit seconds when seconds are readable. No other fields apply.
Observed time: 12,39,01
